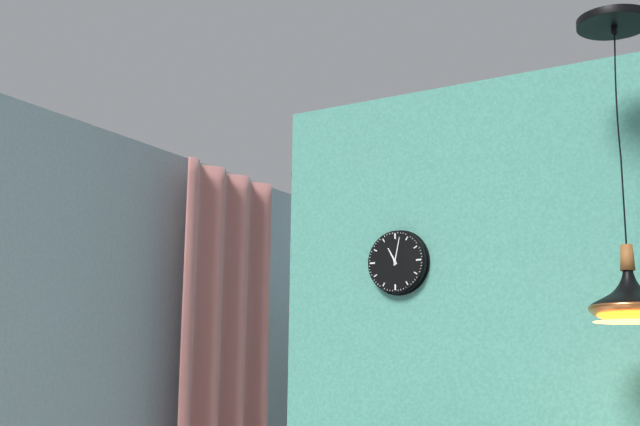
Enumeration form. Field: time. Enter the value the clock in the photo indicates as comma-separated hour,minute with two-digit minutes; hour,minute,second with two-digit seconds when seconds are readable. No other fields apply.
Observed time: 11,02
